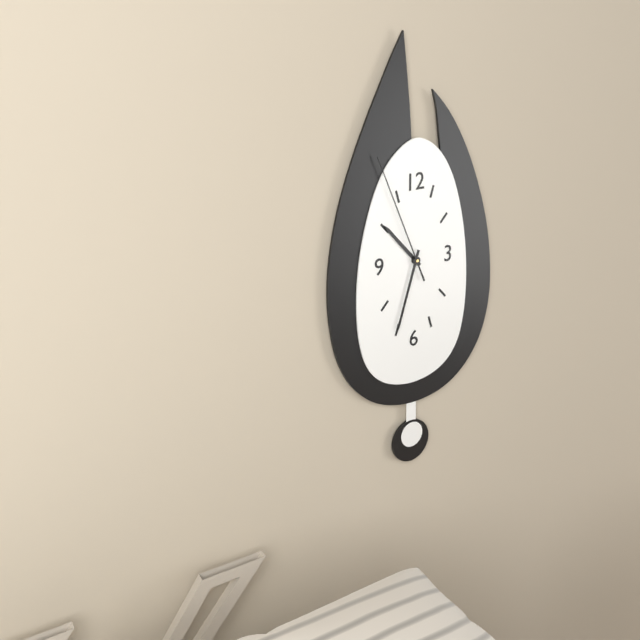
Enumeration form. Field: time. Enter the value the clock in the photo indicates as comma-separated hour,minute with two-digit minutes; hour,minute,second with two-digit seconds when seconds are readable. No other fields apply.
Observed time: 10,33,56
